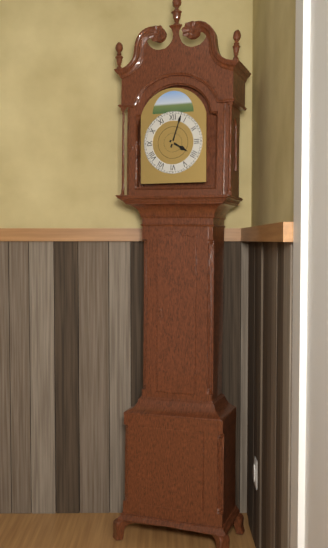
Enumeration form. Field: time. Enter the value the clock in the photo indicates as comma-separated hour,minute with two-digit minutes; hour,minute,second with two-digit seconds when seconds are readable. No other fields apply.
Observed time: 4,03
